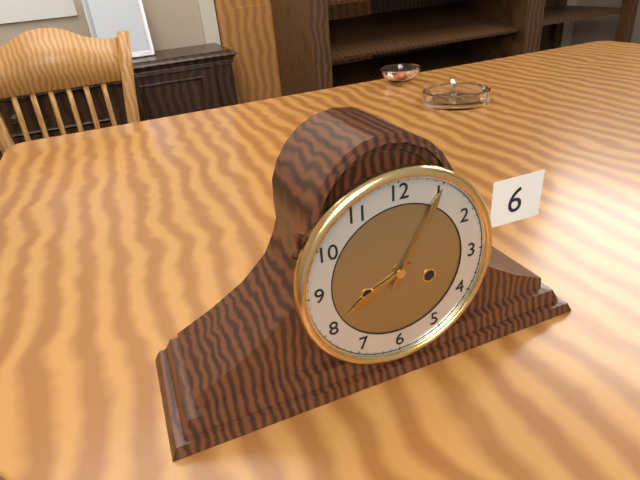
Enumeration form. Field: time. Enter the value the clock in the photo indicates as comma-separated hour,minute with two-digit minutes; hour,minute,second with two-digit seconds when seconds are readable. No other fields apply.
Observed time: 8,05
